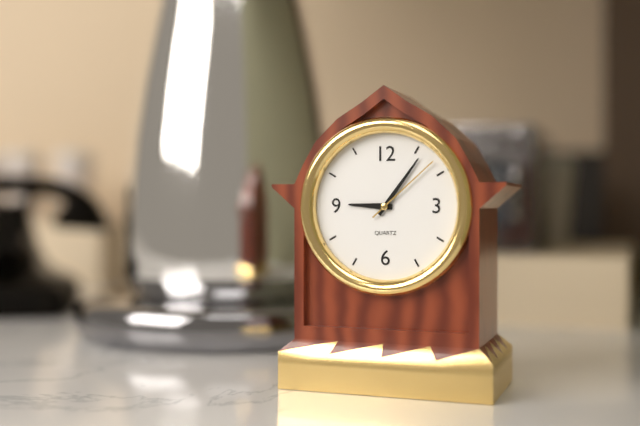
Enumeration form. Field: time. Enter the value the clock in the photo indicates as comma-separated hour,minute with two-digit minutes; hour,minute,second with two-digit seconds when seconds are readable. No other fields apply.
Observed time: 9,06,08
